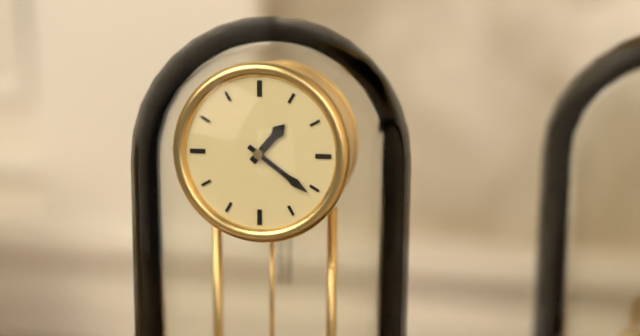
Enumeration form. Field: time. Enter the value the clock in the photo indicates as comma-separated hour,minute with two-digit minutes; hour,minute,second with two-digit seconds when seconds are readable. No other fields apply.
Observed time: 1,21
